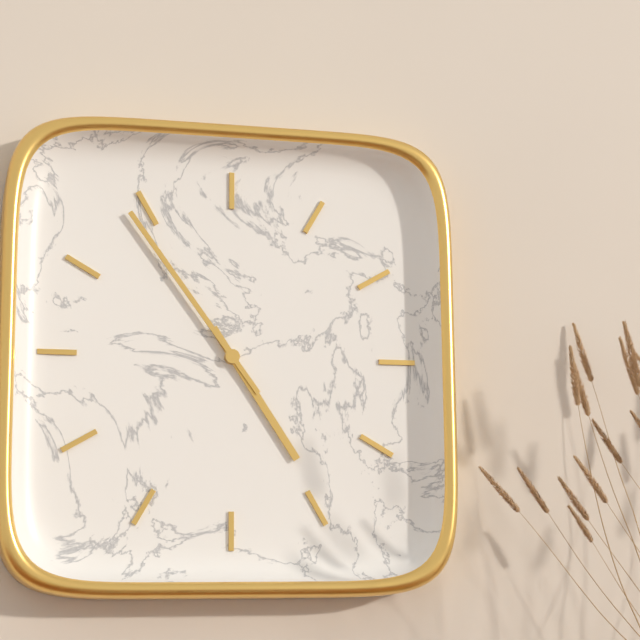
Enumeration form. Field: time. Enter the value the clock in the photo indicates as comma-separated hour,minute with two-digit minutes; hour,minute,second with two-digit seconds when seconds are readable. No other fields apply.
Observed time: 4,54
